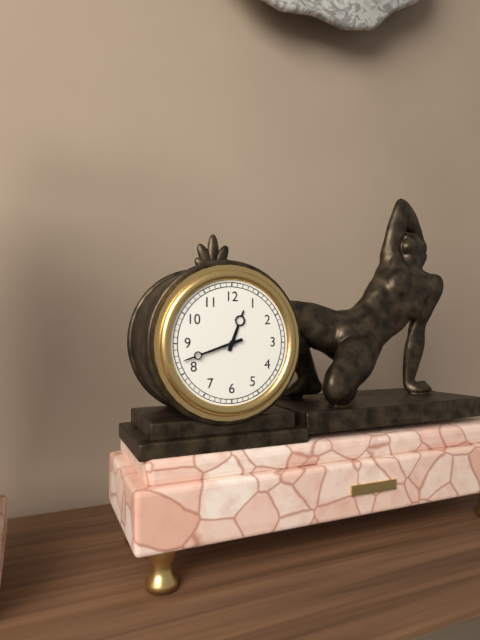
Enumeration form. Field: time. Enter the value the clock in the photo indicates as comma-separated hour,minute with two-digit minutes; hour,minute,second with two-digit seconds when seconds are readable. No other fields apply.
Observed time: 12,42
